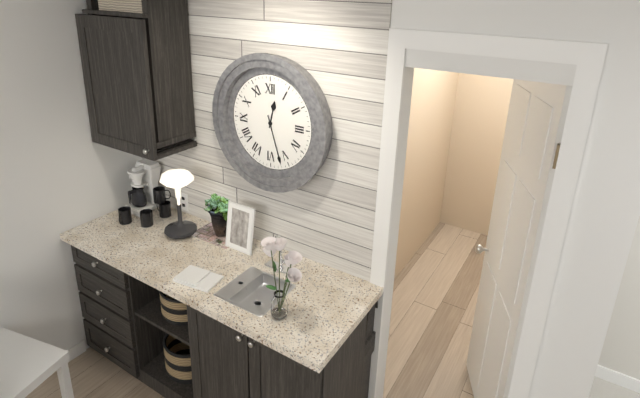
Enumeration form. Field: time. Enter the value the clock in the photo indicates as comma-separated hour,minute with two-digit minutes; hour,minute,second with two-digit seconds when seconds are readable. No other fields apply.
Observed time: 12,27
